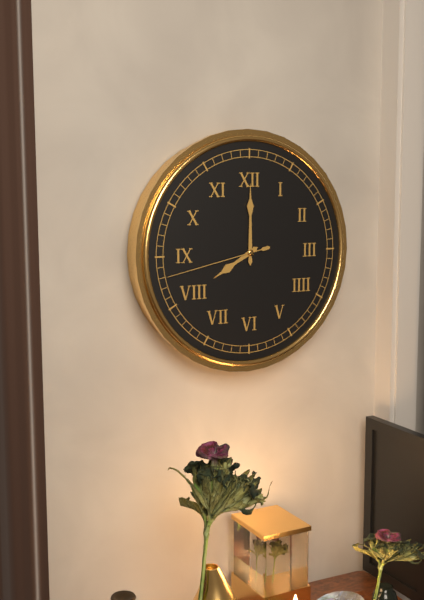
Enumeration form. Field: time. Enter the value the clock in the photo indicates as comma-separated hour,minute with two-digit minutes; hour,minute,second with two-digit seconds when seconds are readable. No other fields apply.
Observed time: 8,00,43
